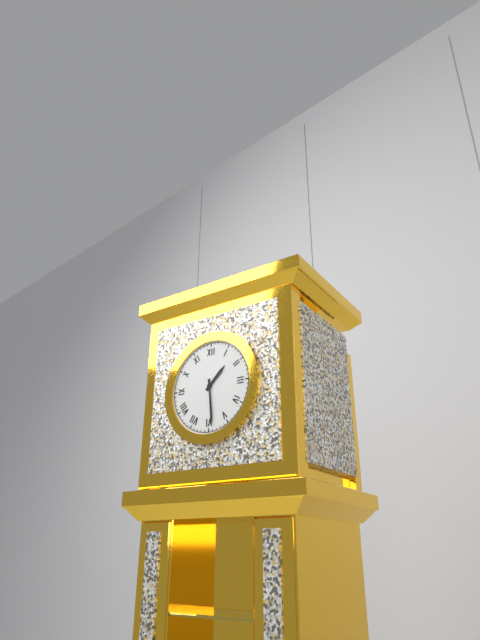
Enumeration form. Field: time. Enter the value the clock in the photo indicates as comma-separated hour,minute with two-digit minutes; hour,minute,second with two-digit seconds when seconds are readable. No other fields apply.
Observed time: 1,29
